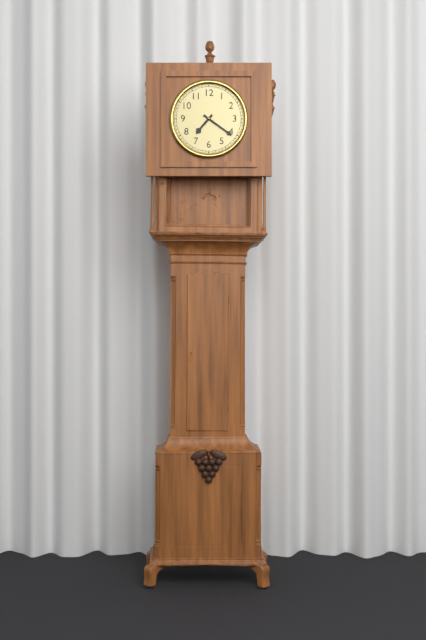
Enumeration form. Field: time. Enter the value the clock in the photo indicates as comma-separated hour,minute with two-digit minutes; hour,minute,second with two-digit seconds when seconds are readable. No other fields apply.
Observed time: 7,21
